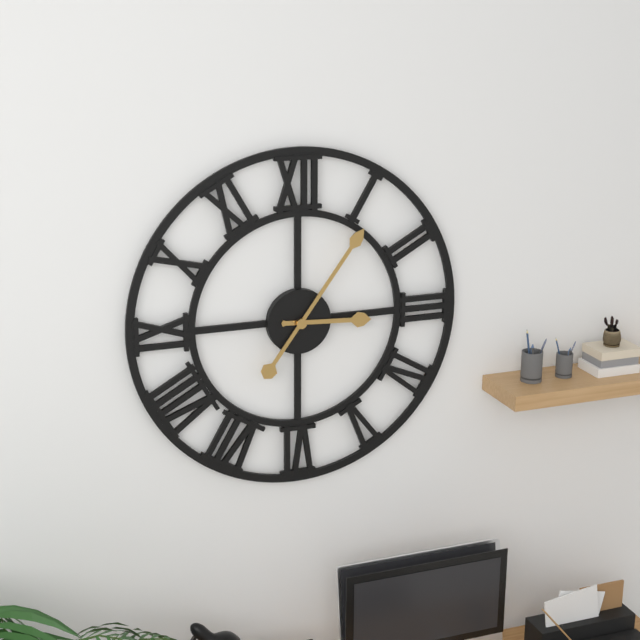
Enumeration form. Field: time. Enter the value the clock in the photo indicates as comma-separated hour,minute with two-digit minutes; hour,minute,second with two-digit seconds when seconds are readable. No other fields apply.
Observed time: 3,06
